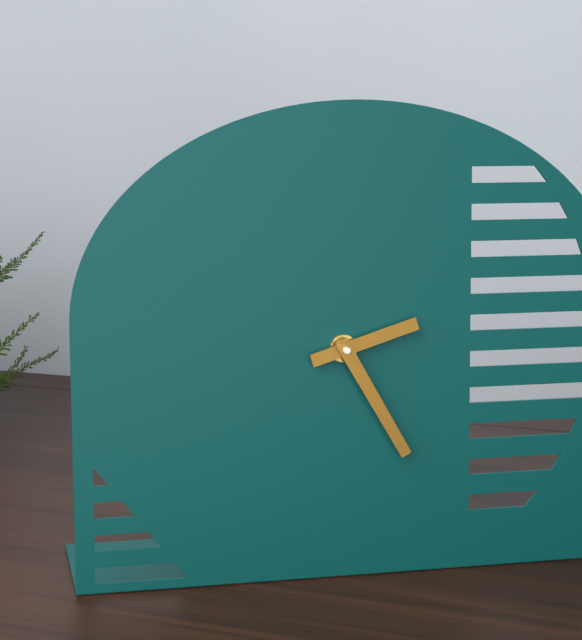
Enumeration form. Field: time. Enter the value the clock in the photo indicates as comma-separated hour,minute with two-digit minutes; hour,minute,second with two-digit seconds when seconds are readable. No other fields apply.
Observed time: 2,25
